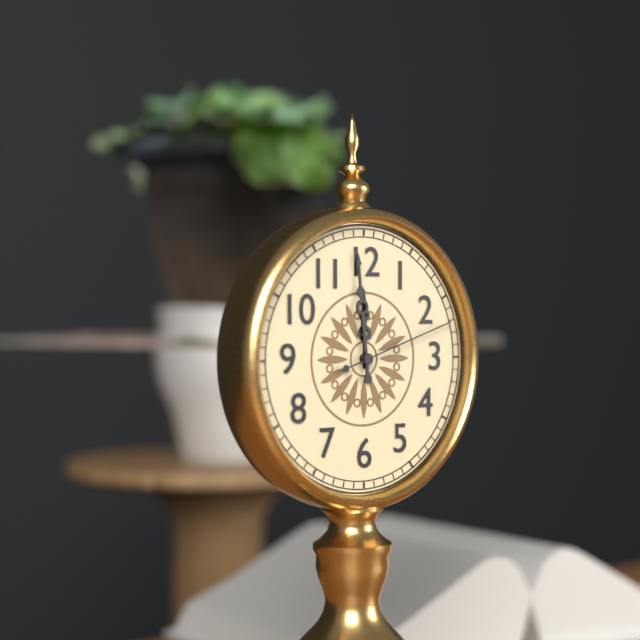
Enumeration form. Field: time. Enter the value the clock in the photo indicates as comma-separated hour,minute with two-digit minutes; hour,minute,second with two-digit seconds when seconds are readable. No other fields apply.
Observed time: 11,59,12
